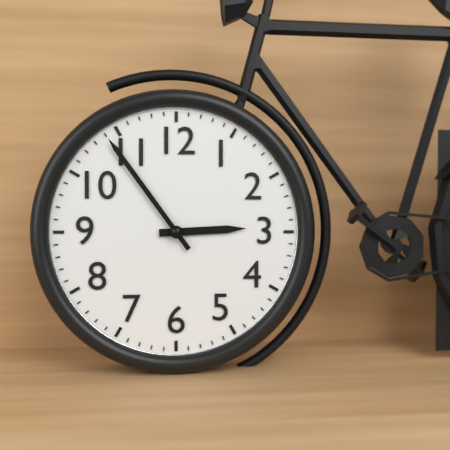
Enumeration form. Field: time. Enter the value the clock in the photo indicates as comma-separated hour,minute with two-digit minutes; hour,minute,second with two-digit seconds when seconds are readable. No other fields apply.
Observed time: 2,54
